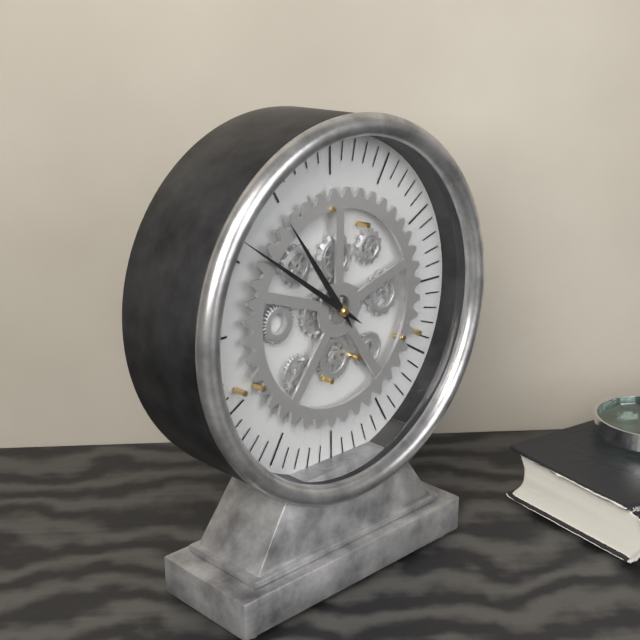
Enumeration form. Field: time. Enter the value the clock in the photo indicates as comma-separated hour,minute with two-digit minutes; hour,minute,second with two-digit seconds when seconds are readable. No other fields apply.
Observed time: 10,51
